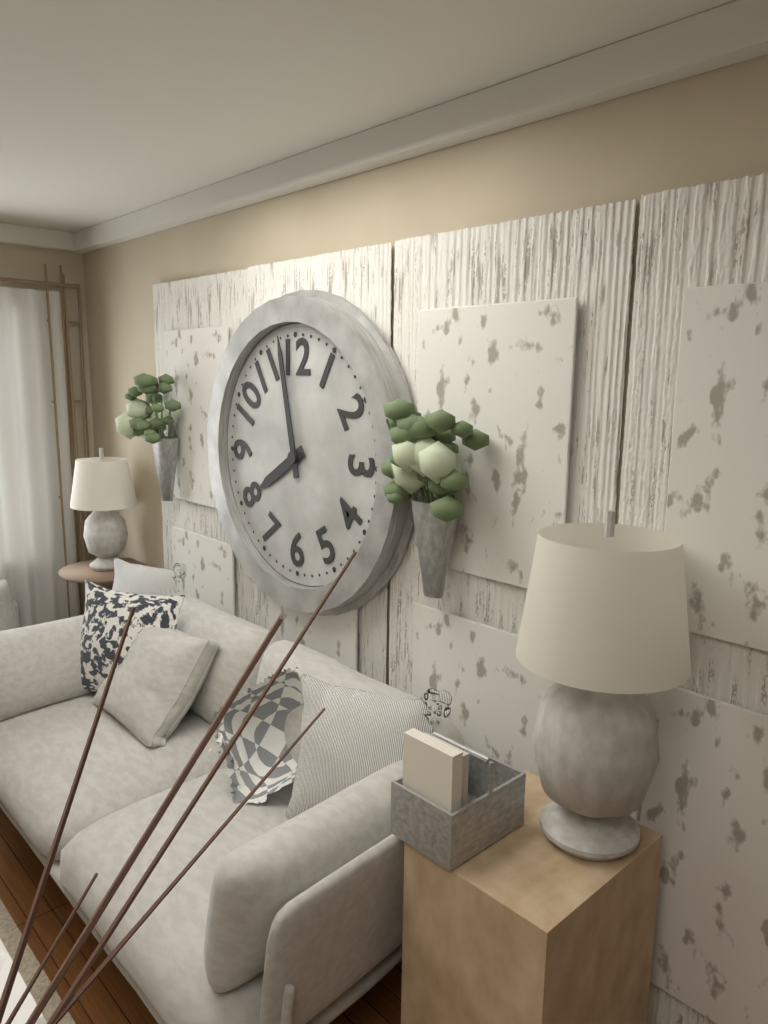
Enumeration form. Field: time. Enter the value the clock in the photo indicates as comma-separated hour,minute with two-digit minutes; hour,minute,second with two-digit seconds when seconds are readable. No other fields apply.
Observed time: 7,58
